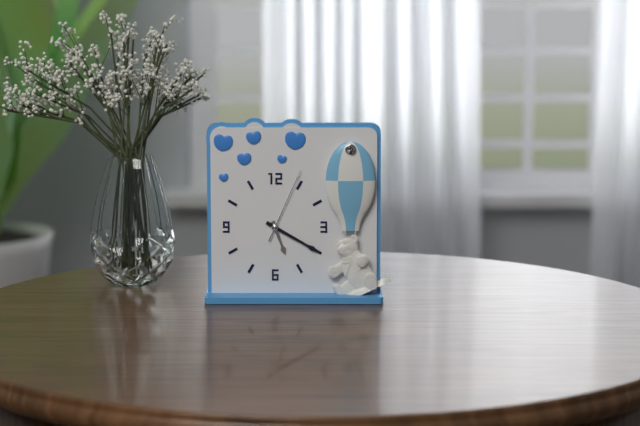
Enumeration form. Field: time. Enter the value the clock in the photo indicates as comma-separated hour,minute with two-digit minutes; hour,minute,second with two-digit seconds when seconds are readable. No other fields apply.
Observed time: 5,20,04
